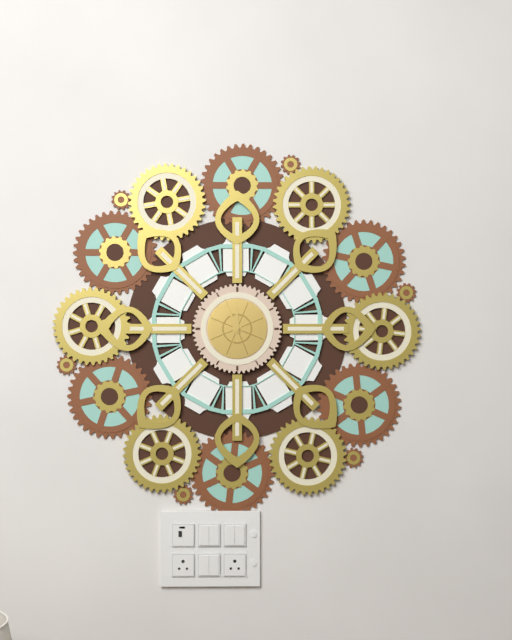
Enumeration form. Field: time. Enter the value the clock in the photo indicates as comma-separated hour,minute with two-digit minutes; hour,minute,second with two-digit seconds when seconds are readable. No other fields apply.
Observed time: 11,56
